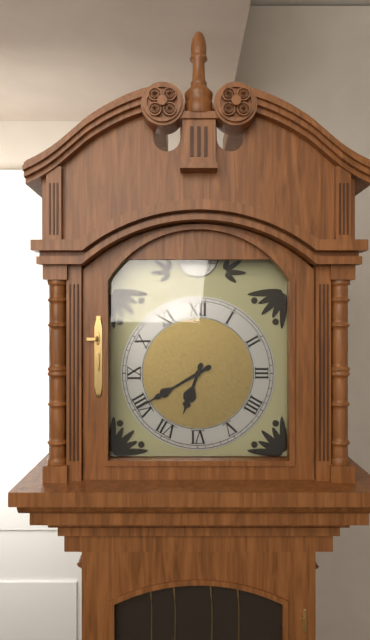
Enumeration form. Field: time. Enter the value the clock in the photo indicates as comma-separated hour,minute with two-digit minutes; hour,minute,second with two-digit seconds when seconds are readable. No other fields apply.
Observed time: 6,40
